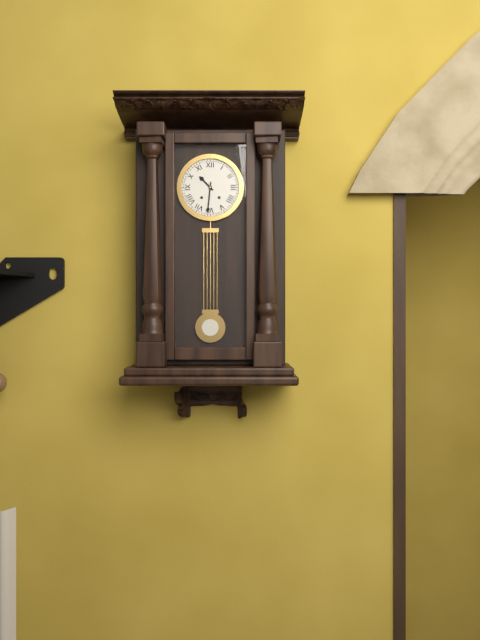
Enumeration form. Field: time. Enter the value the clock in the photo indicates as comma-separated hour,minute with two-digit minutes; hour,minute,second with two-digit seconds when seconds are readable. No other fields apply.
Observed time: 10,31
